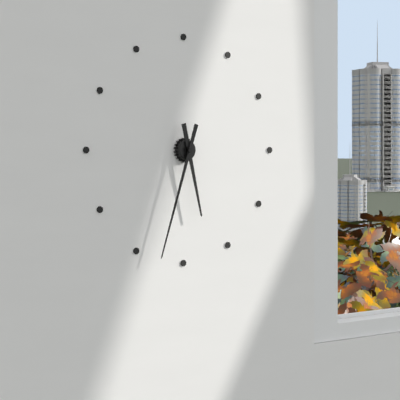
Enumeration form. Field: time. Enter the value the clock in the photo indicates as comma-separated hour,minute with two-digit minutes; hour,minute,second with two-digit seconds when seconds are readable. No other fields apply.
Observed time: 5,33
